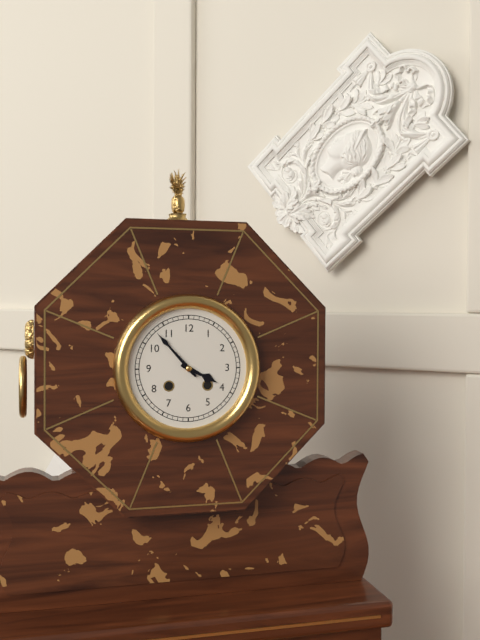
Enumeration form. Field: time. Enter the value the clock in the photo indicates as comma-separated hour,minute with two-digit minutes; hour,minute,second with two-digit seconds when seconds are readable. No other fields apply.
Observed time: 3,53
